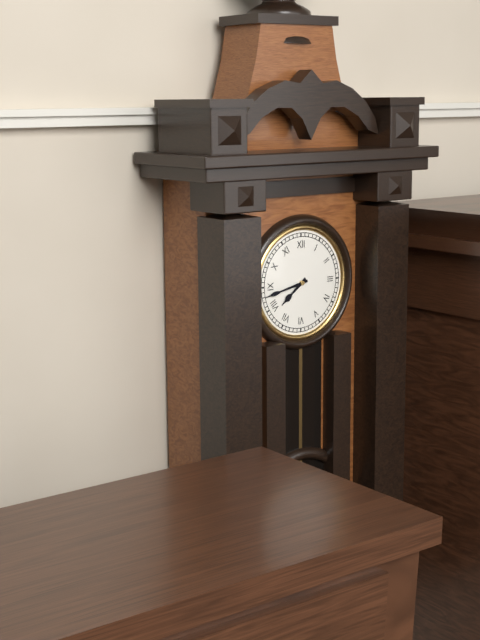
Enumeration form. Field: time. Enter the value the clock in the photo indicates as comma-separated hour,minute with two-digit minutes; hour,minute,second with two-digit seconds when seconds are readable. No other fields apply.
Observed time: 7,43
